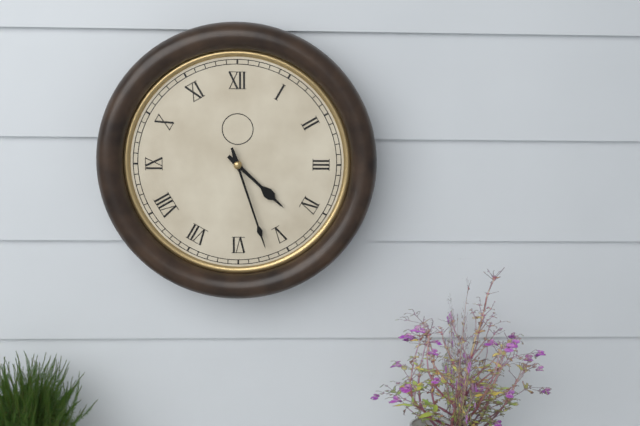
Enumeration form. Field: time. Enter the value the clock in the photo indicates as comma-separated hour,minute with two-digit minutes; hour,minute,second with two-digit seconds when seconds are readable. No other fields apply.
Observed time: 4,27
